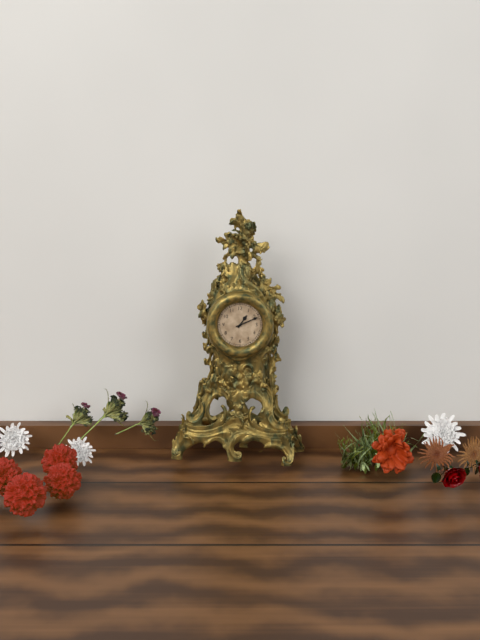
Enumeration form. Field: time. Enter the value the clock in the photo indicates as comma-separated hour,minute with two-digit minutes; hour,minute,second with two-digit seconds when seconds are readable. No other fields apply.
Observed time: 1,11
